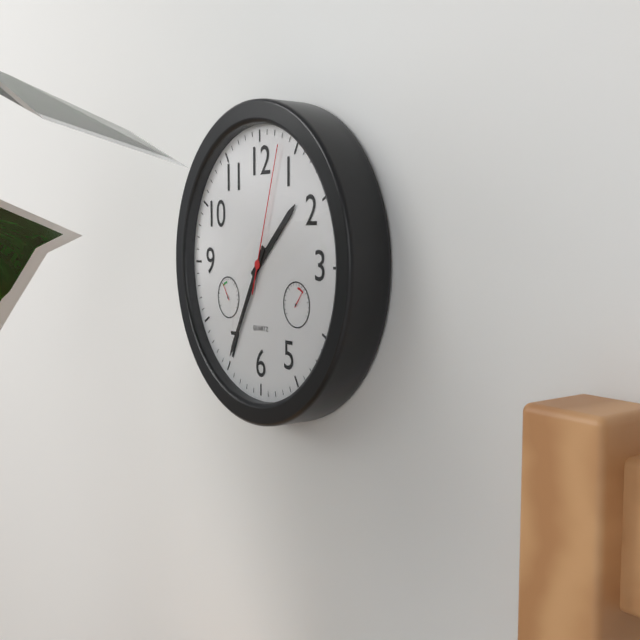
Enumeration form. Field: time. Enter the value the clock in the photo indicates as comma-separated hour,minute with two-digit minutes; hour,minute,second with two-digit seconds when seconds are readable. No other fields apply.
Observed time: 1,35,03
